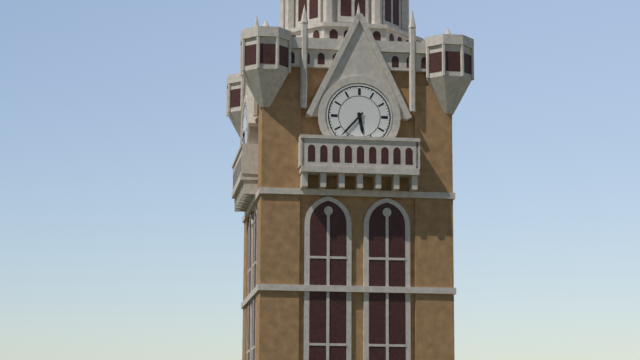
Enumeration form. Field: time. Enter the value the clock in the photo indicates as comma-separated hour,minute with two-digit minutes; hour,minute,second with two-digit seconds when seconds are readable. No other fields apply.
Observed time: 5,37
